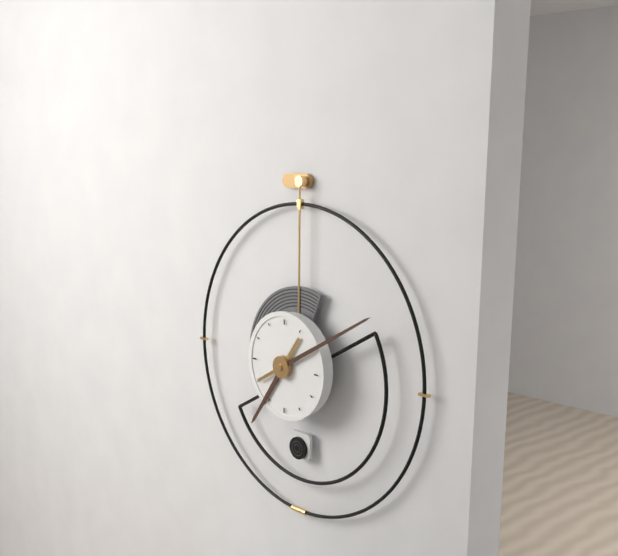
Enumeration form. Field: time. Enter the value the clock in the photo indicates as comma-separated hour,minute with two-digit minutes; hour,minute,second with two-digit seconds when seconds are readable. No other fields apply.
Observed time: 7,10
